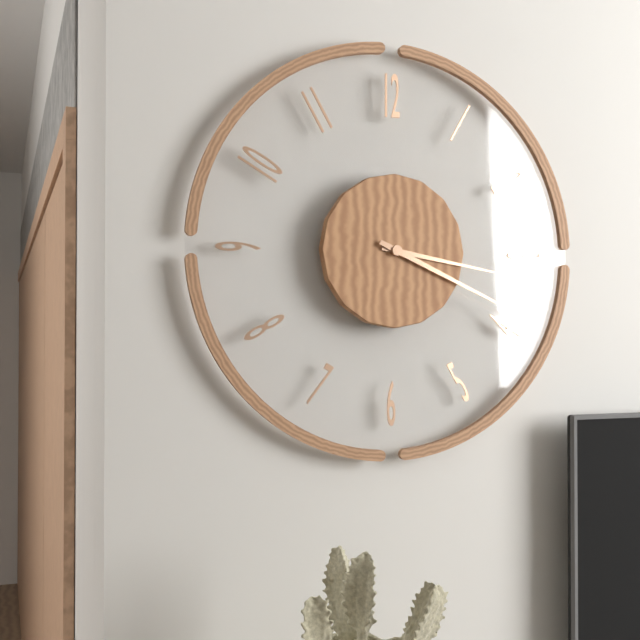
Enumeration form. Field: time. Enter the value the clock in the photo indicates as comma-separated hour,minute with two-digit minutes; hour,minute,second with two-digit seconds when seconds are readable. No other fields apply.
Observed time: 3,19
